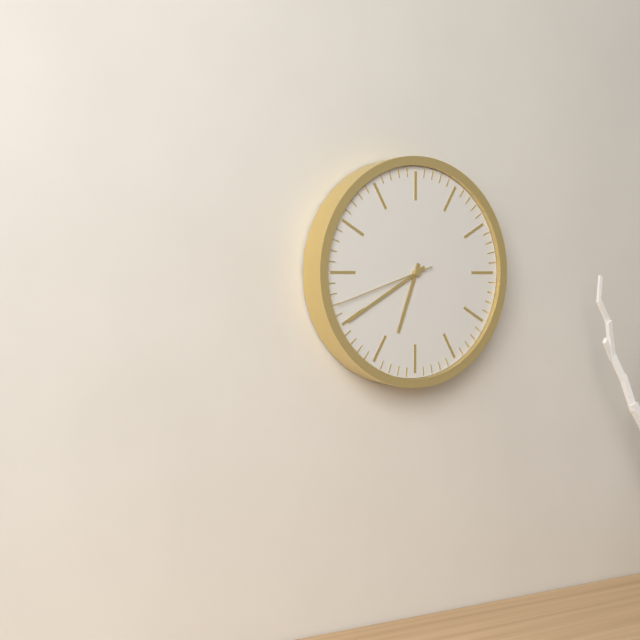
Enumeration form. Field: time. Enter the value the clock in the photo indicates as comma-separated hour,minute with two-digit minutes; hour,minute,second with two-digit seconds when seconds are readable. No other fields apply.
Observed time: 6,40,42
